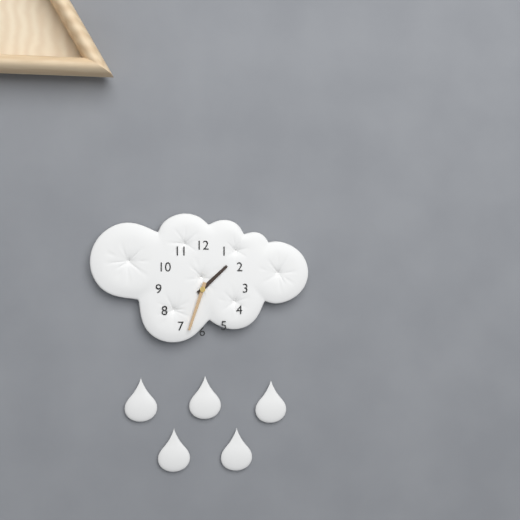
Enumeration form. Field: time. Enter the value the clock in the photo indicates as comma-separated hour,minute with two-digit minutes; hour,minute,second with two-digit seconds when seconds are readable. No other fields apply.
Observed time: 1,33
